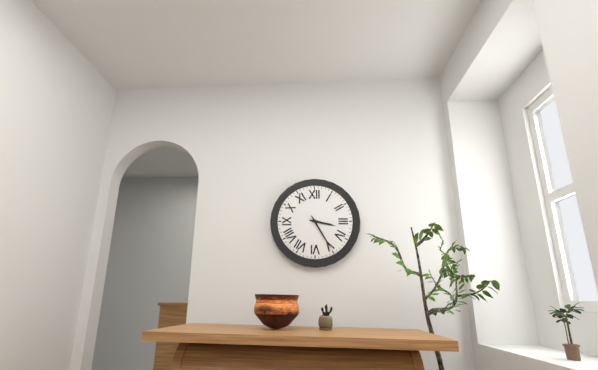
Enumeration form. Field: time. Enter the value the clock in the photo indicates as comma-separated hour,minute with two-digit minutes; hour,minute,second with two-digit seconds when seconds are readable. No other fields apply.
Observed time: 3,25
